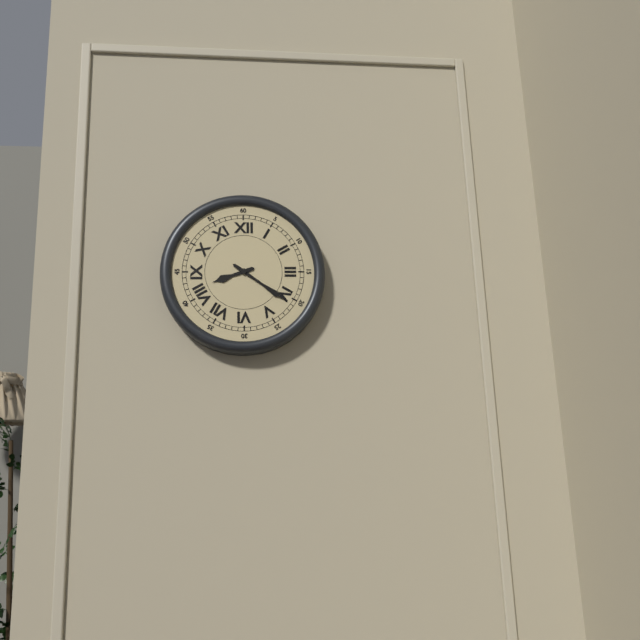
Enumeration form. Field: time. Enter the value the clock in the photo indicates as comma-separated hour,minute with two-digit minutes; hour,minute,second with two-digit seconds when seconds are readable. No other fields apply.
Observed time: 8,21
